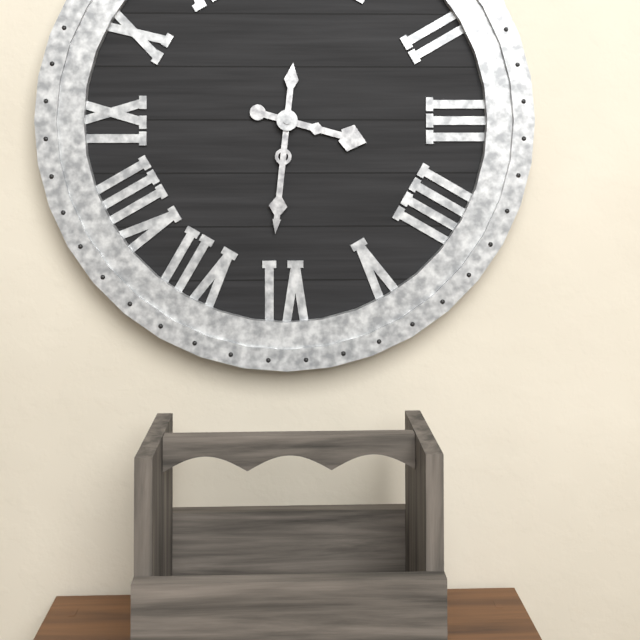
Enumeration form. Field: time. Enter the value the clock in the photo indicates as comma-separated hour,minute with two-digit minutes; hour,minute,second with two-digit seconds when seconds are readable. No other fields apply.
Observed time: 3,31
